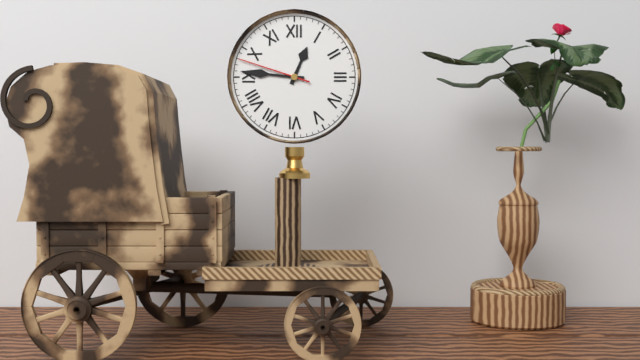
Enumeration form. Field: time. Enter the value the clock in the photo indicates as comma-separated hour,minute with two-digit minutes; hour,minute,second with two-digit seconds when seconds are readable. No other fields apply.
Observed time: 12,46,48
